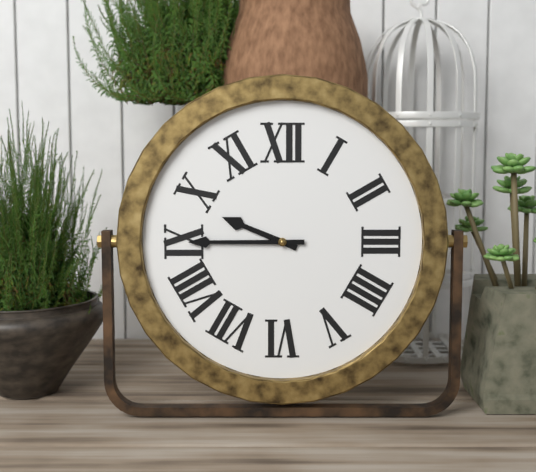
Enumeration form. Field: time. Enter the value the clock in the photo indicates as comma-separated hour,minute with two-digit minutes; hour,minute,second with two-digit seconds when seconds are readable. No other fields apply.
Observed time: 9,45
